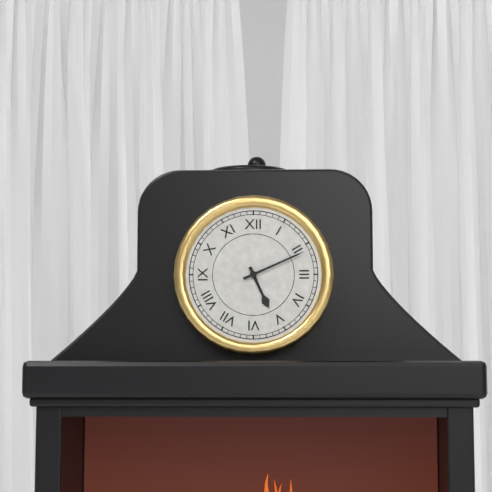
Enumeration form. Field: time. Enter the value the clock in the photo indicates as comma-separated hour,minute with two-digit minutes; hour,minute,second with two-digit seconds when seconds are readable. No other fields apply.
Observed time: 5,11
